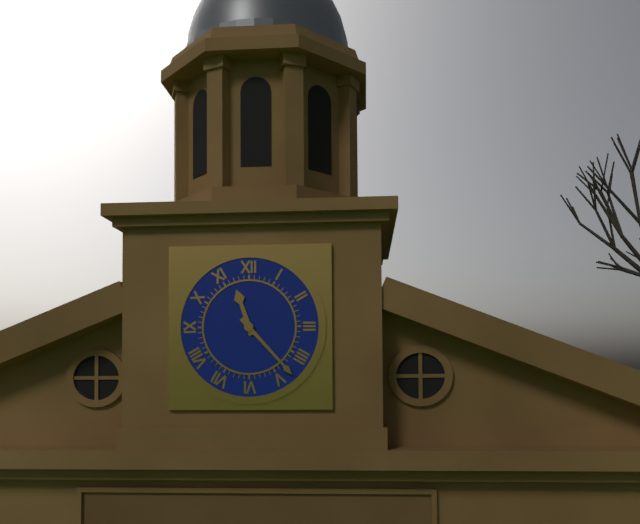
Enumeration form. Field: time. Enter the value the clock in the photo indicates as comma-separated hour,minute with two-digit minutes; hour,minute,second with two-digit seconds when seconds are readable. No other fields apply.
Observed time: 11,23
